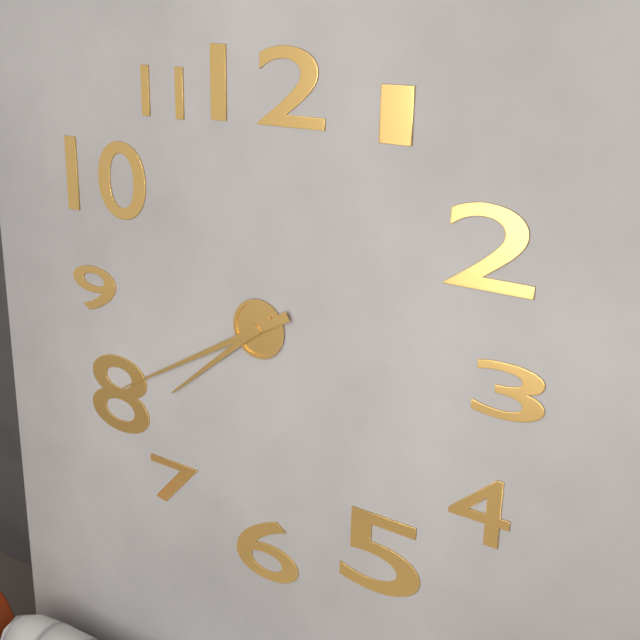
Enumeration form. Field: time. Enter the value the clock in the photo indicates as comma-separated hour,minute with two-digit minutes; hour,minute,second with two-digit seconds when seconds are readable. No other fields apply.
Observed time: 7,40
